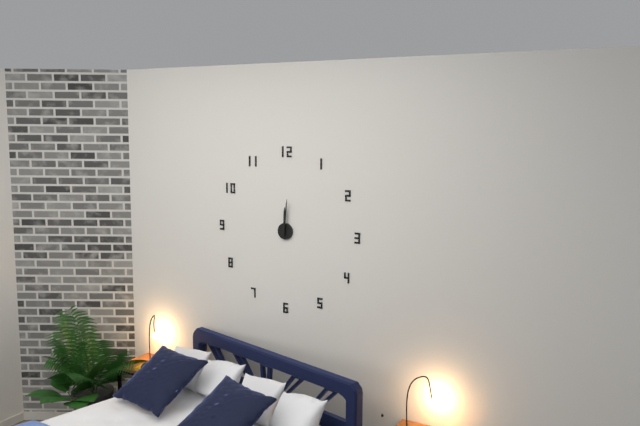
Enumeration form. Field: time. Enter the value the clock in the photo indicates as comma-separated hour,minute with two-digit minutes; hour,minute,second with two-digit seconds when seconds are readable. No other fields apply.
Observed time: 12,01
